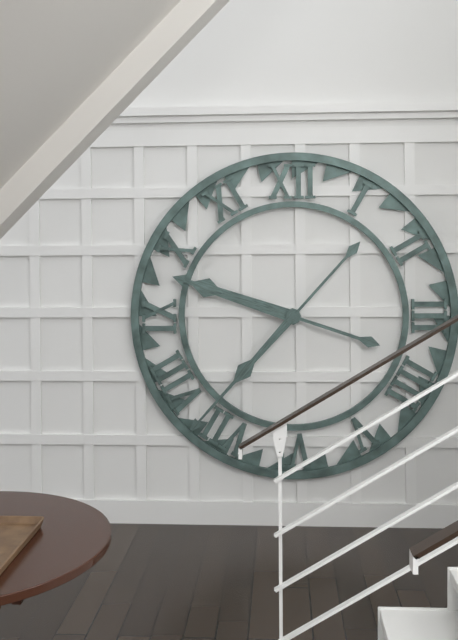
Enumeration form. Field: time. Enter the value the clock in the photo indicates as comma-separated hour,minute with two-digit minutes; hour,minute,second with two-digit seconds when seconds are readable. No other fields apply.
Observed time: 9,37
